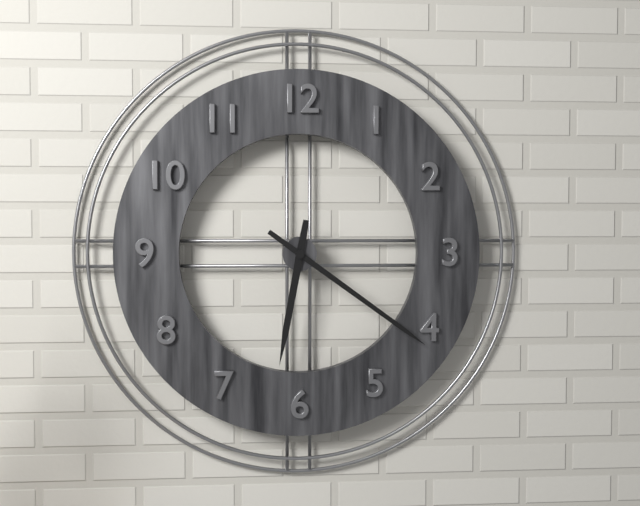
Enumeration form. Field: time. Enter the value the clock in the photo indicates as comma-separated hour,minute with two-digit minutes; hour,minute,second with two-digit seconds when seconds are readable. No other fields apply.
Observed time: 6,21
